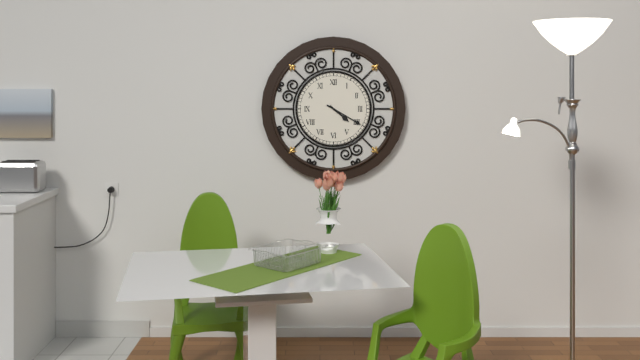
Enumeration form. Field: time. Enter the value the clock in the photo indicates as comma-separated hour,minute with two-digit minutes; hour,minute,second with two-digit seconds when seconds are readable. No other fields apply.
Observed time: 4,20
